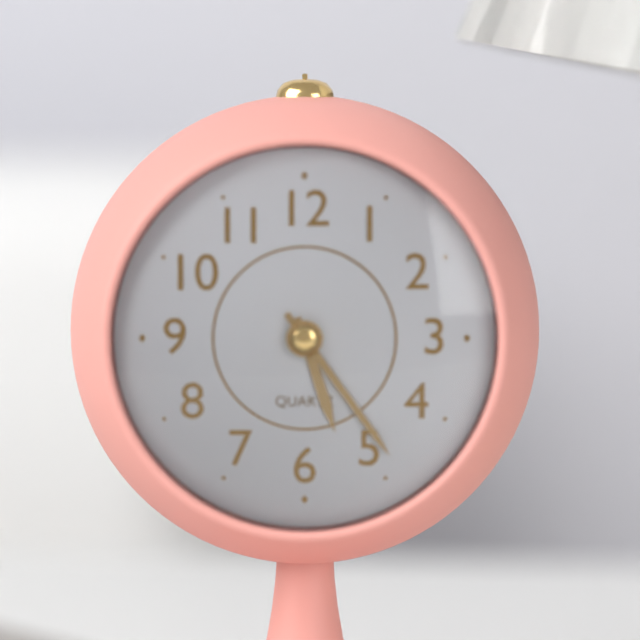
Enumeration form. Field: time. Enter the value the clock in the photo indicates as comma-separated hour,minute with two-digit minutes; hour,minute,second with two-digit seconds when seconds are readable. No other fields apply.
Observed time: 5,24
